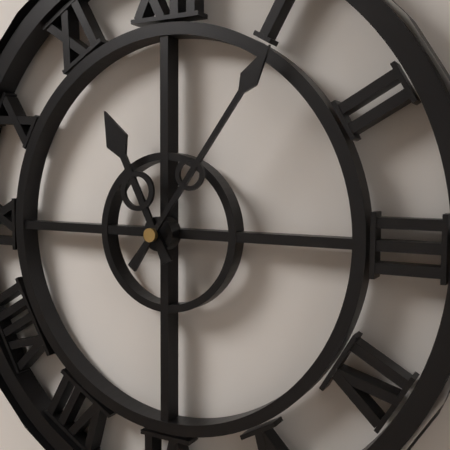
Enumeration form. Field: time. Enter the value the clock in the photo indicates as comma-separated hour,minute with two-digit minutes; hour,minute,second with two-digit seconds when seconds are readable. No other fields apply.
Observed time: 11,06
